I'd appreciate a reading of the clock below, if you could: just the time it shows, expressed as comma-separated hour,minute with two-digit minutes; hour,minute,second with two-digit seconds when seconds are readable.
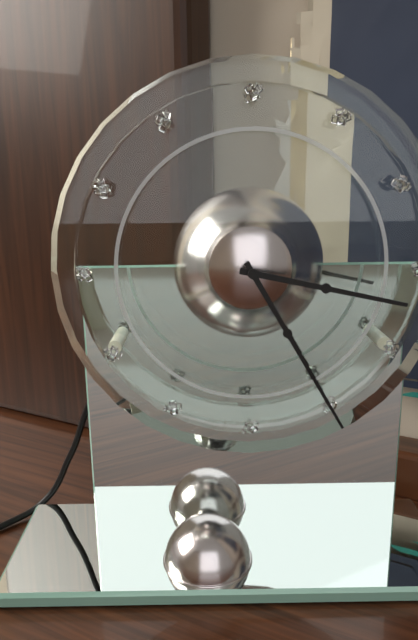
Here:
3,25
